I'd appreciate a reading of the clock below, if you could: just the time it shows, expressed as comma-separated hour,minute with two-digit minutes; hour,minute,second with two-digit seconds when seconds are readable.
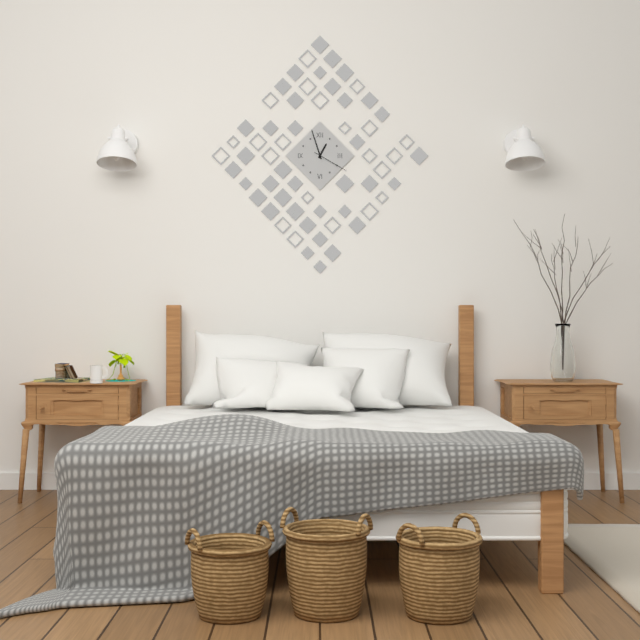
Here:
12,57
